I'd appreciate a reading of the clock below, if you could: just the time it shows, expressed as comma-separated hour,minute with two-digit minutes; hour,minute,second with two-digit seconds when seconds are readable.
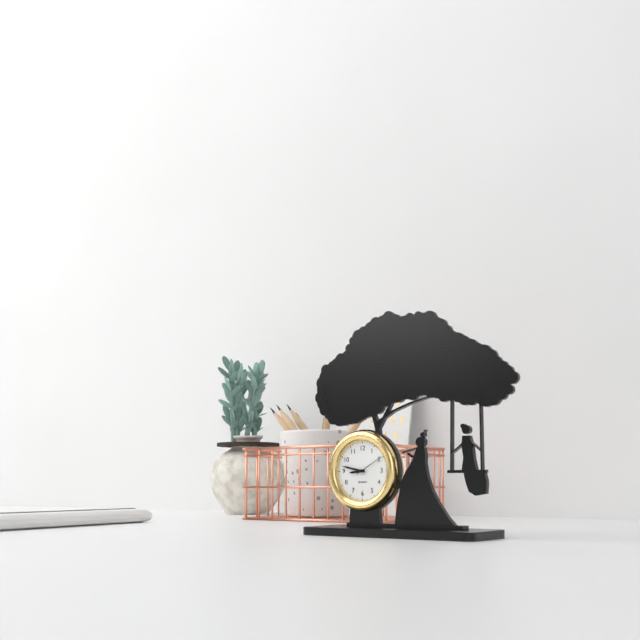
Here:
8,47
